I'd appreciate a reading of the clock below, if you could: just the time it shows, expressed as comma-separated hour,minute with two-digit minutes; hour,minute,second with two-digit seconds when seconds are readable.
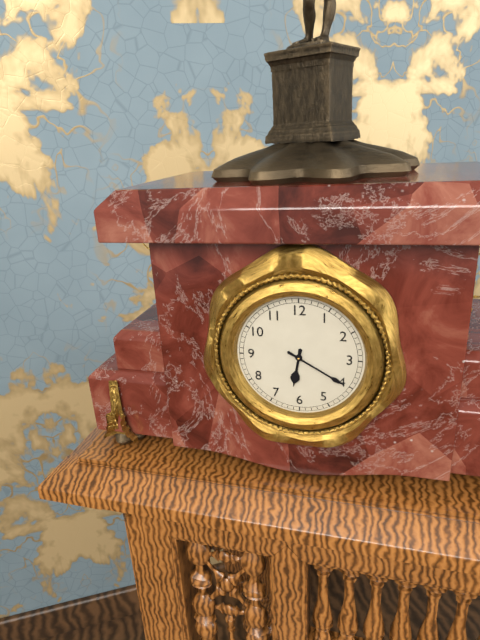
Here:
6,20
